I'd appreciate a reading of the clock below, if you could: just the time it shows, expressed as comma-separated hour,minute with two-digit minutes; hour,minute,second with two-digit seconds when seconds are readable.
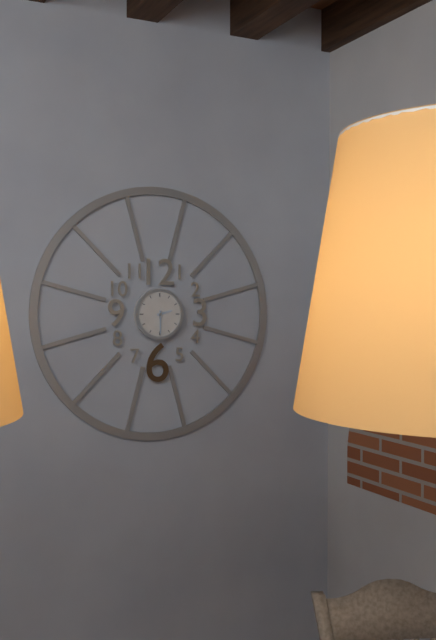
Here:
2,30
